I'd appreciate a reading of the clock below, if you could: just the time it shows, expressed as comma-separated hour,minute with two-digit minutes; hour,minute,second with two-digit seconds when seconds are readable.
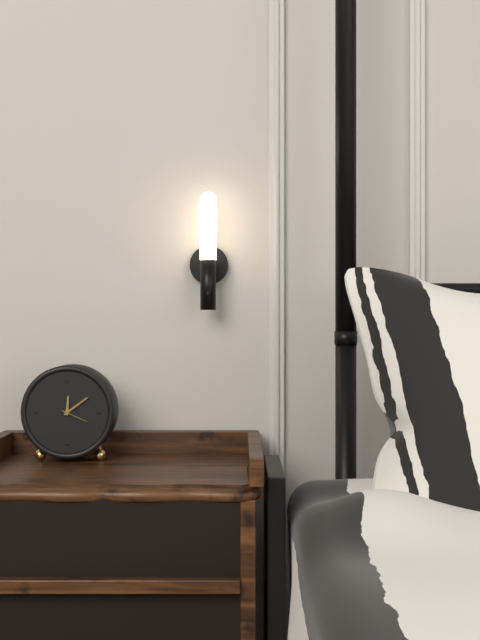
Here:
12,09
